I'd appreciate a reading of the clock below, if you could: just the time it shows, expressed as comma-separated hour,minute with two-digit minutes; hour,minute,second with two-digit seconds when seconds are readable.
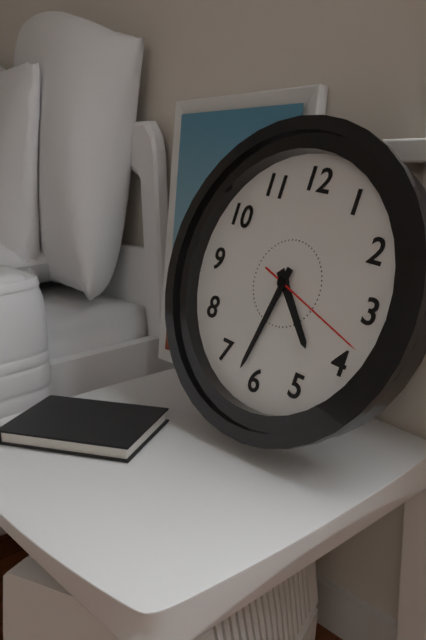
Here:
4,32,18
